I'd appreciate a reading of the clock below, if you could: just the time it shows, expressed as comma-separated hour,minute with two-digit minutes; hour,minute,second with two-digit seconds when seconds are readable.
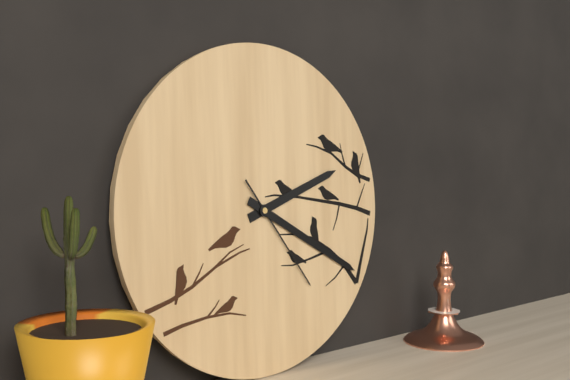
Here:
2,20,24
